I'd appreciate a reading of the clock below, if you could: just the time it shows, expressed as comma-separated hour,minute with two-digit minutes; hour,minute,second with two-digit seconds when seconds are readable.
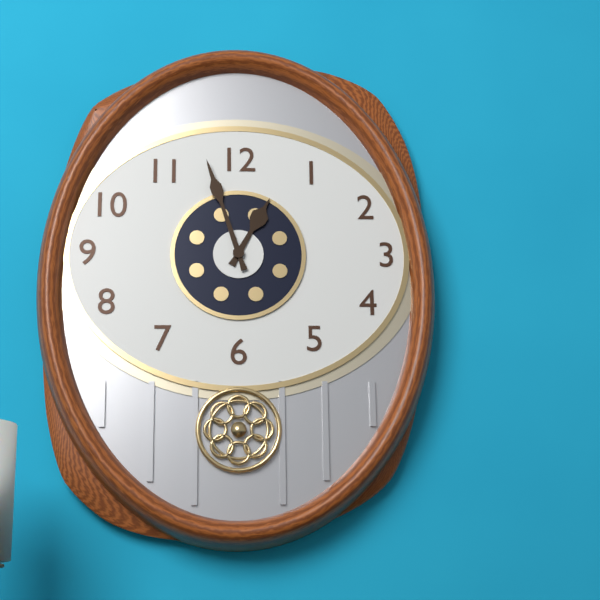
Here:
12,57
